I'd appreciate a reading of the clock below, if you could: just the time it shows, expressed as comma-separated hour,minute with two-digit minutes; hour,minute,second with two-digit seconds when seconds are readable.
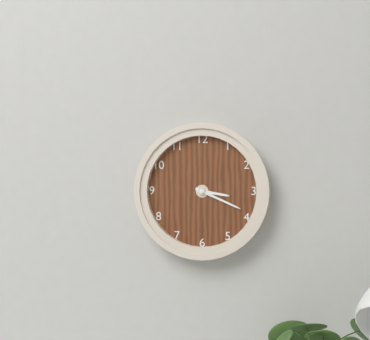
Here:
3,19
